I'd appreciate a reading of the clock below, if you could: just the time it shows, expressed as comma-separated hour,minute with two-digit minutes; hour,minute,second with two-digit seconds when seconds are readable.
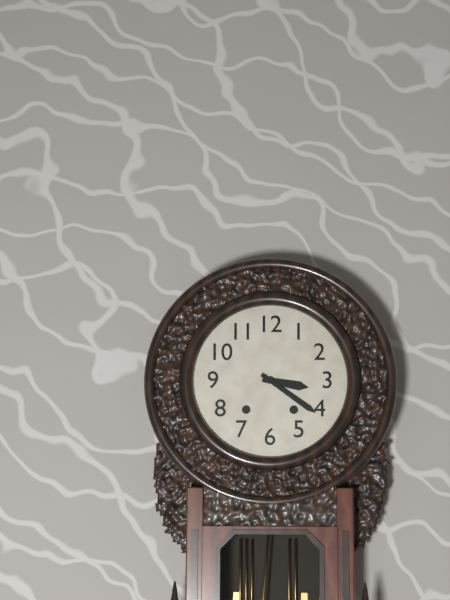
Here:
3,21
